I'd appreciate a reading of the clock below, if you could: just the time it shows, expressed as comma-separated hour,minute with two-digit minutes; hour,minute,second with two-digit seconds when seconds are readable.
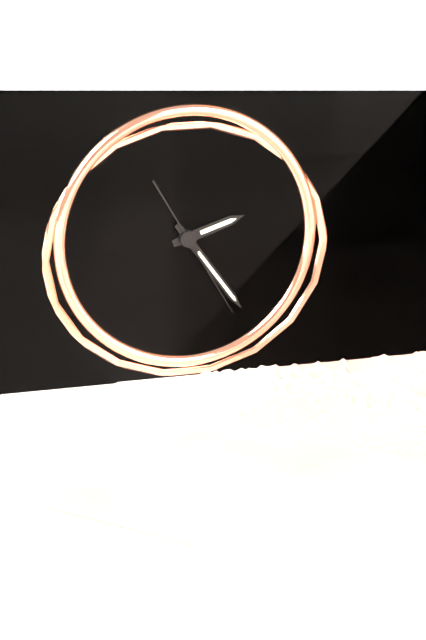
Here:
2,24,25
